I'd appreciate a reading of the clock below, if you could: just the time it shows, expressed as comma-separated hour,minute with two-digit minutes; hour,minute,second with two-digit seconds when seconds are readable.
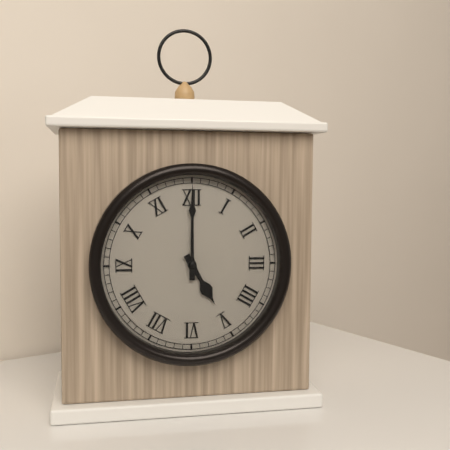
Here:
5,00
